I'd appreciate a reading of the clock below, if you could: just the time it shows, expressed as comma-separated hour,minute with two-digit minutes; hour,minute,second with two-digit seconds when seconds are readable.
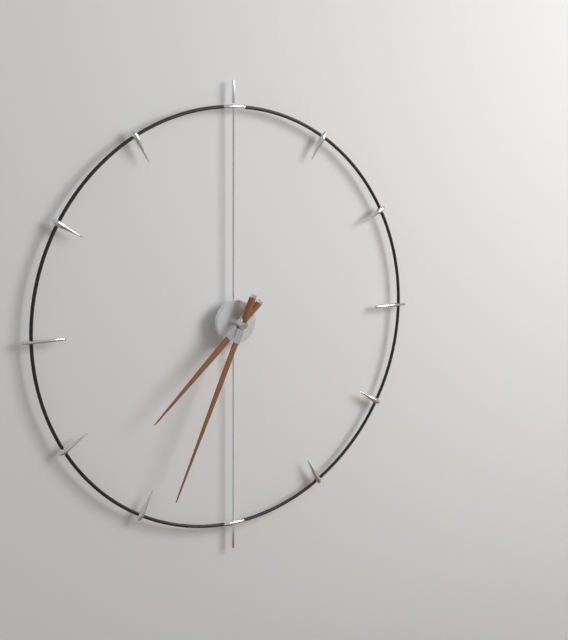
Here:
7,34
